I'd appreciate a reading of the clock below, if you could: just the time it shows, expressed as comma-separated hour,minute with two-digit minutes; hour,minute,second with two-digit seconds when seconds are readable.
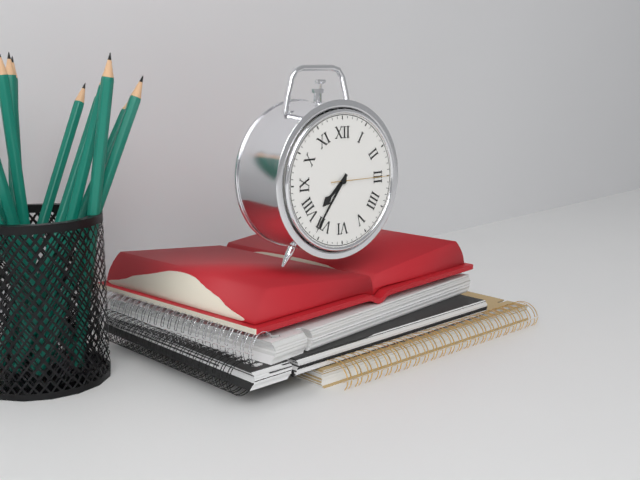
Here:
7,36,15
